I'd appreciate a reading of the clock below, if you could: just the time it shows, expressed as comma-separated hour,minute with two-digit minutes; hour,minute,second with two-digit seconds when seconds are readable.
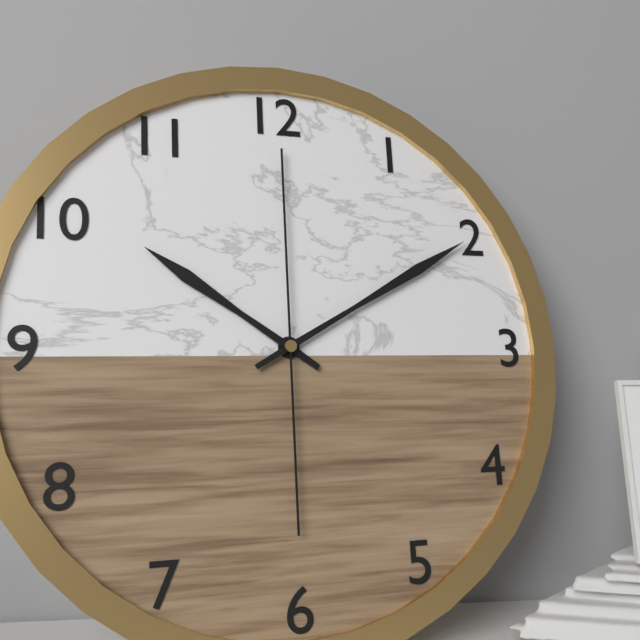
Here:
10,10,00
